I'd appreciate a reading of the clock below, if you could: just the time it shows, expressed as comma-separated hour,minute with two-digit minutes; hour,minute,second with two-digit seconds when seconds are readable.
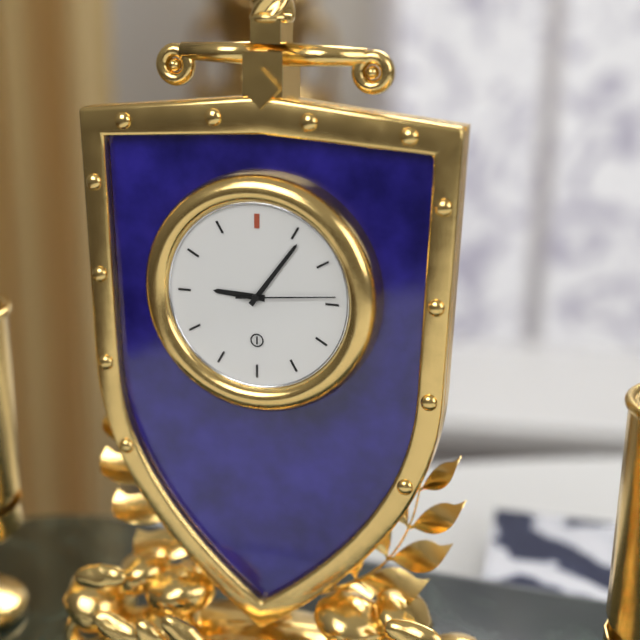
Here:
9,06,14
